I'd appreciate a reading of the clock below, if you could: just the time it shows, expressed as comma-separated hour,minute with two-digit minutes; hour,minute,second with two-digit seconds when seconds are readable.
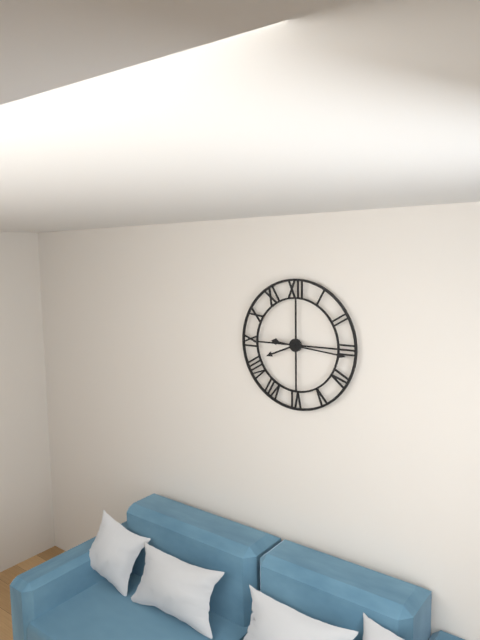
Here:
8,16
